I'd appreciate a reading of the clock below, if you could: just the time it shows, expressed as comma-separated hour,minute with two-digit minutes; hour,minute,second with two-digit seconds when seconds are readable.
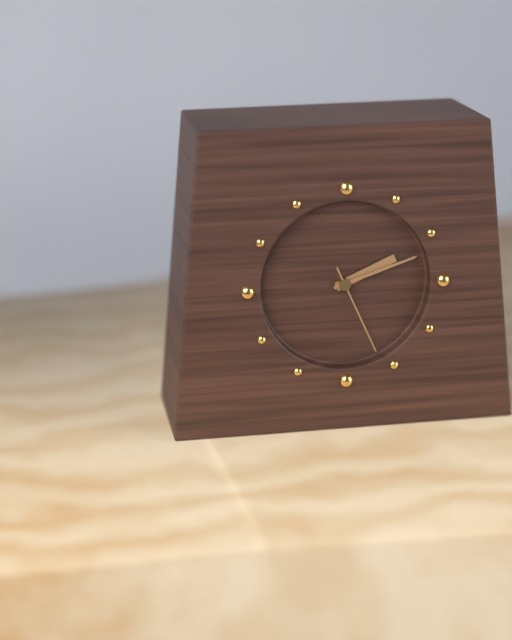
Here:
2,12,26
